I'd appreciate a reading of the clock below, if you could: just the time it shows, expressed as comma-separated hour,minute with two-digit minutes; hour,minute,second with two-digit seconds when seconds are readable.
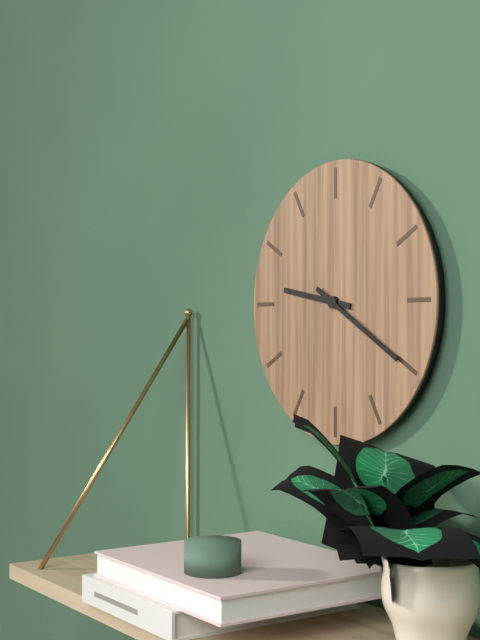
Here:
9,20
